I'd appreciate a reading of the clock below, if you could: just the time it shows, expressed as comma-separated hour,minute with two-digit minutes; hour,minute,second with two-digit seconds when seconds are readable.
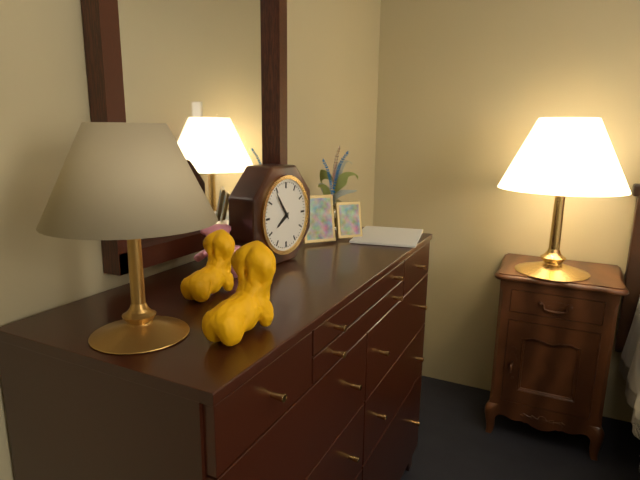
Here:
7,54
